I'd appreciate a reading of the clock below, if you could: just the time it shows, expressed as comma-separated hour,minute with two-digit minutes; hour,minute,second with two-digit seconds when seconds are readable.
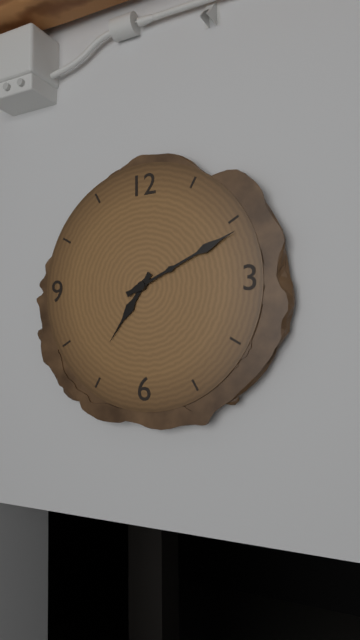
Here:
7,11
